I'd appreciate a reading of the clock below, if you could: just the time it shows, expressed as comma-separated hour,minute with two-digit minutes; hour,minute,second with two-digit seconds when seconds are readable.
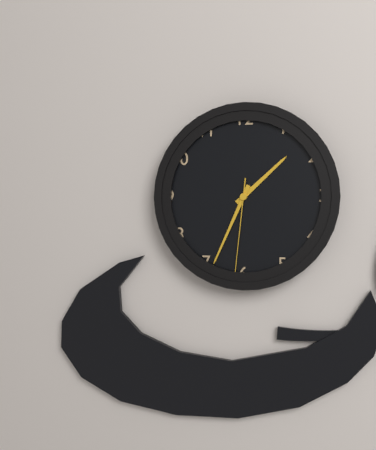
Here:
1,34,31
